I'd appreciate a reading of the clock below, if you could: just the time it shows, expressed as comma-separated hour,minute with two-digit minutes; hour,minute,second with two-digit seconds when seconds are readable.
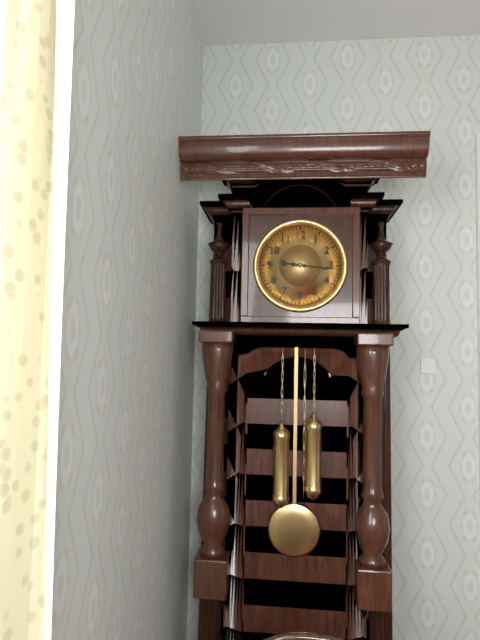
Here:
9,16
